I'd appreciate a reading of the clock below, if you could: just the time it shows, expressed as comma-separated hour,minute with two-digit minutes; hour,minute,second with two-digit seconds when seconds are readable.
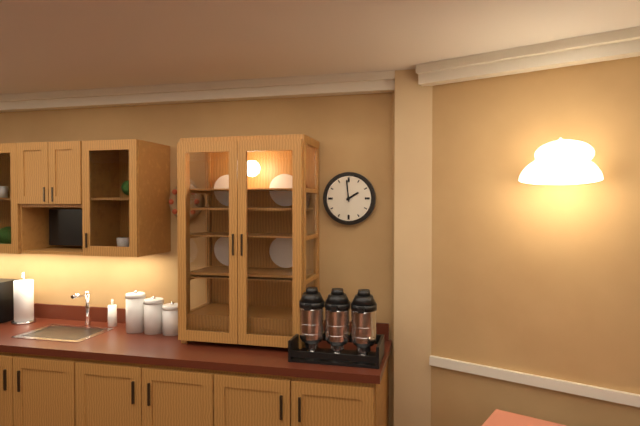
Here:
1,59
